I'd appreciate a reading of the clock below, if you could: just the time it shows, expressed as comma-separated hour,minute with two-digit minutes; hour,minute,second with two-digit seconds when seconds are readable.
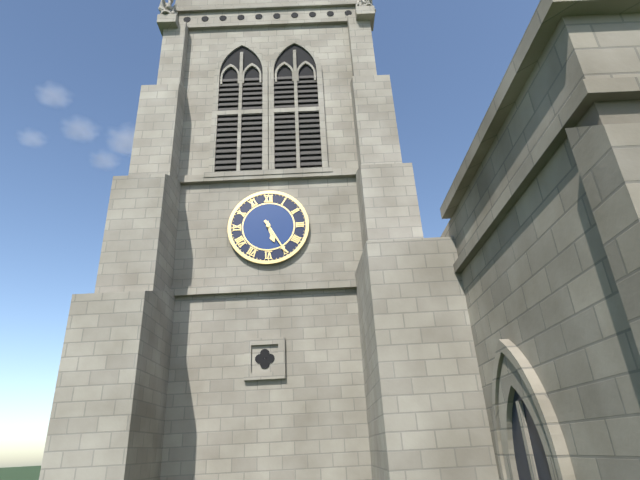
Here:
5,25
